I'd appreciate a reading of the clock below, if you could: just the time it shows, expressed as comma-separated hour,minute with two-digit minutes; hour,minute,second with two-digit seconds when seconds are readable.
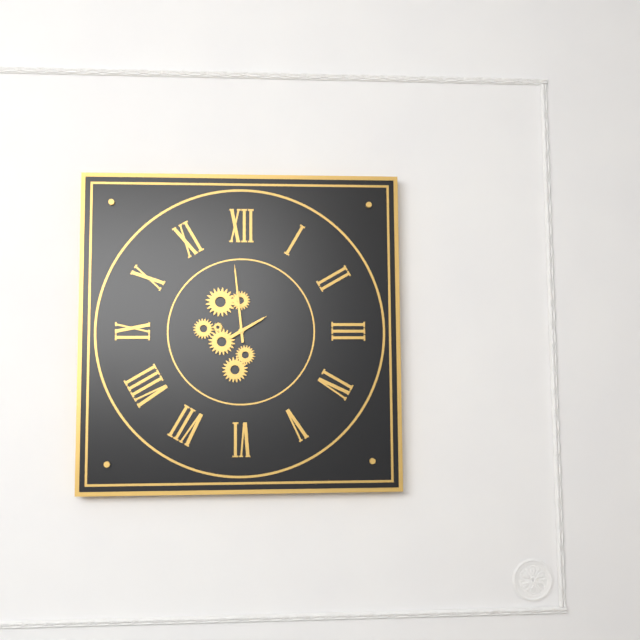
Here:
1,59
